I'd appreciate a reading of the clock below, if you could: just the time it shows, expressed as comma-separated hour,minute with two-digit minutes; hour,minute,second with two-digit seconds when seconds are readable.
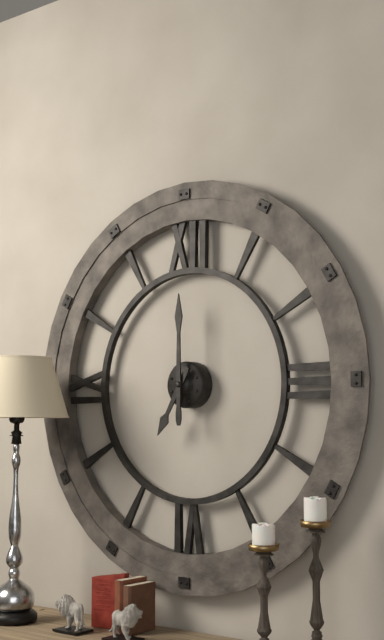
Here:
7,00
